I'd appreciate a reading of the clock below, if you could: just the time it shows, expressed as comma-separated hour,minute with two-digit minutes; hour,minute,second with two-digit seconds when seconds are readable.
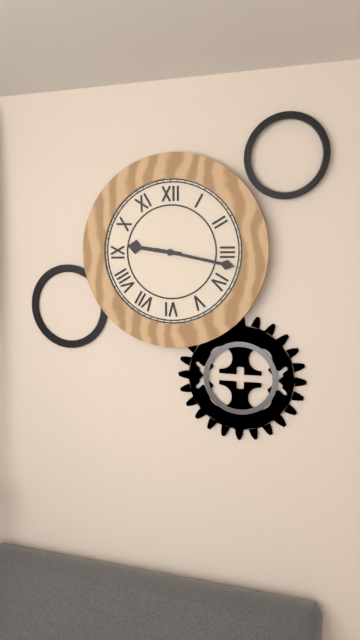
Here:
9,17
